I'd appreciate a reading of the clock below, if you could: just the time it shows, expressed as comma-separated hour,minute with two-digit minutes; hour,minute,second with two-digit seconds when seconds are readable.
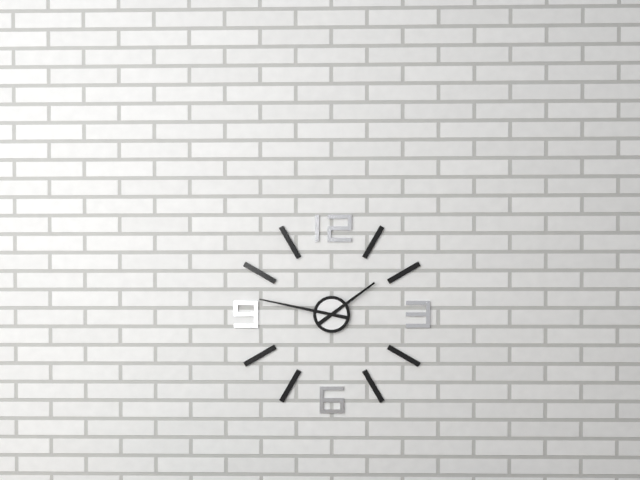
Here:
1,47
